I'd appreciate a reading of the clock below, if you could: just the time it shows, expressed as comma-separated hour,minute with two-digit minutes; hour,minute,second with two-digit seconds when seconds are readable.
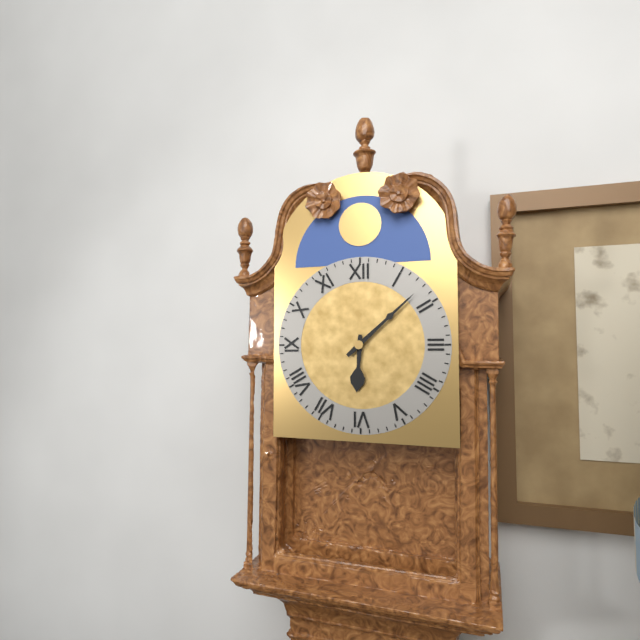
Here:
6,08
